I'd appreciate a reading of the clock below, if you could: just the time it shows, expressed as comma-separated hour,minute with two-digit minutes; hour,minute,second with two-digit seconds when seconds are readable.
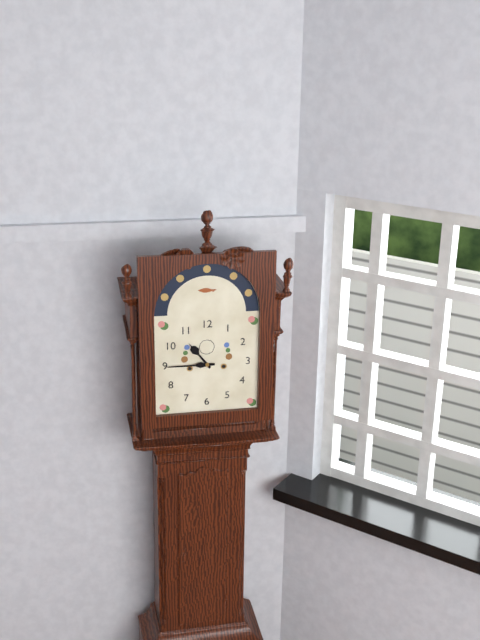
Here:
10,45
